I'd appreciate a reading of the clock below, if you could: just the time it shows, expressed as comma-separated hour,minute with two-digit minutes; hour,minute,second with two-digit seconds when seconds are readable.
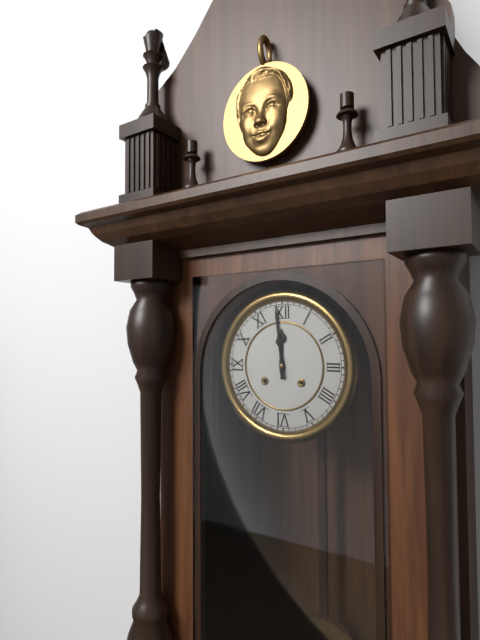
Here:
11,59
